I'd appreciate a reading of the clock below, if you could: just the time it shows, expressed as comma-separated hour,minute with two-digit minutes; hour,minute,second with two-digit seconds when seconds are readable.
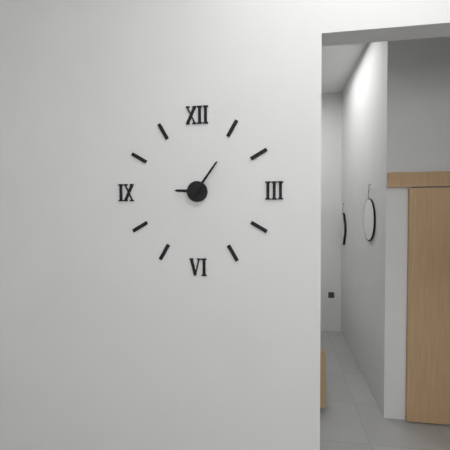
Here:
9,06
